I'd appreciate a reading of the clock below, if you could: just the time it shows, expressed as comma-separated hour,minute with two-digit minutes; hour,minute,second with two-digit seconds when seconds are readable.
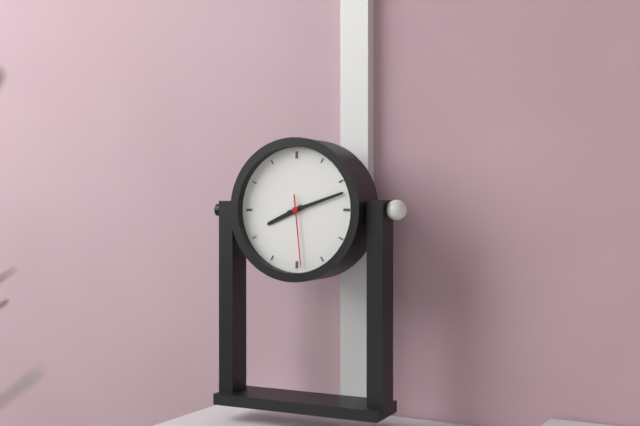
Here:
8,12,29
